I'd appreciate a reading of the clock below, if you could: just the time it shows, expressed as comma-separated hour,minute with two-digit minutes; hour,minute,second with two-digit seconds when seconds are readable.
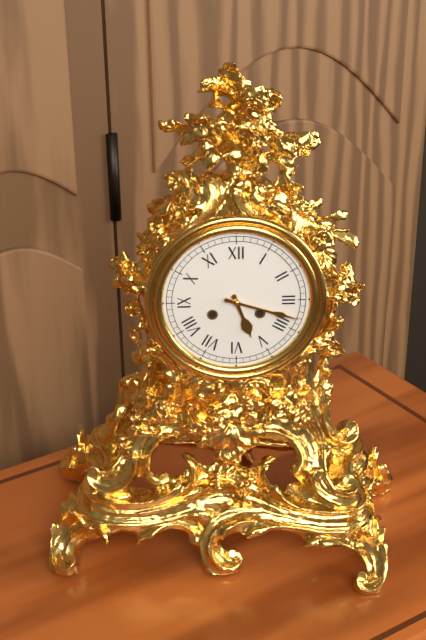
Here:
5,18
